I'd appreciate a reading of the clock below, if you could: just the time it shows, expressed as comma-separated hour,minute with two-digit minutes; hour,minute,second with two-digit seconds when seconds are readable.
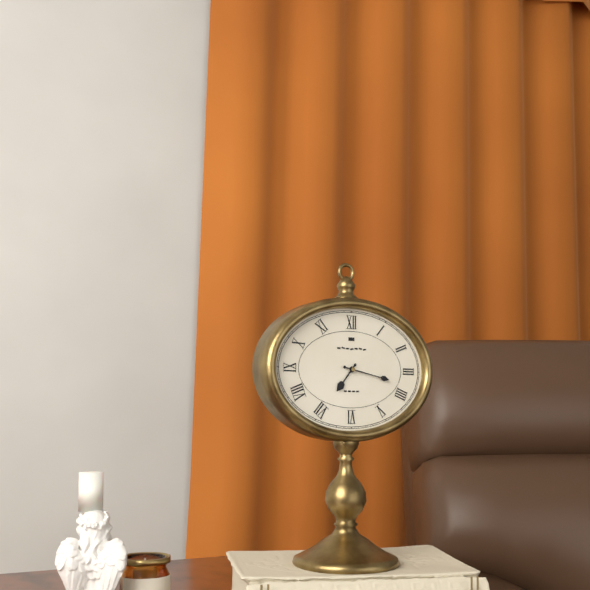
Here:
7,17
